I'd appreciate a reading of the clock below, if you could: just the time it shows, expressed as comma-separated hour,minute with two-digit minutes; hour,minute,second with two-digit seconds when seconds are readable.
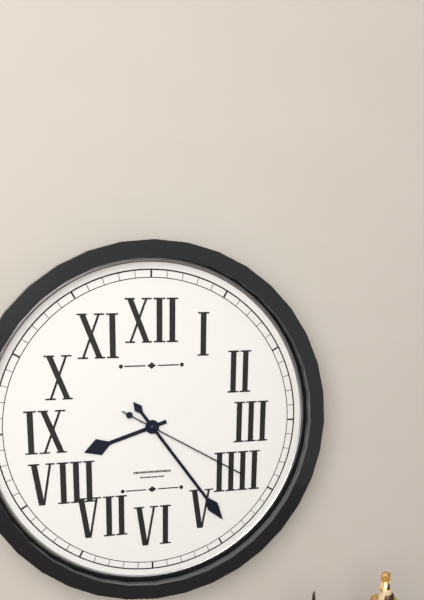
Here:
8,24,20
